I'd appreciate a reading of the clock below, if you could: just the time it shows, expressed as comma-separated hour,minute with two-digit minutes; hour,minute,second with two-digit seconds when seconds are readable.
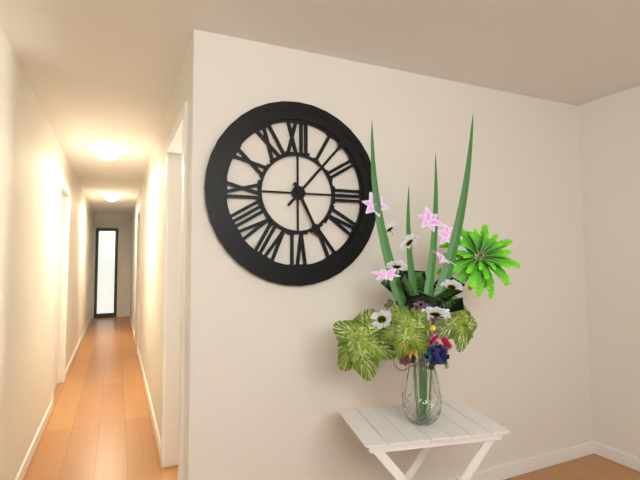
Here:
5,07
